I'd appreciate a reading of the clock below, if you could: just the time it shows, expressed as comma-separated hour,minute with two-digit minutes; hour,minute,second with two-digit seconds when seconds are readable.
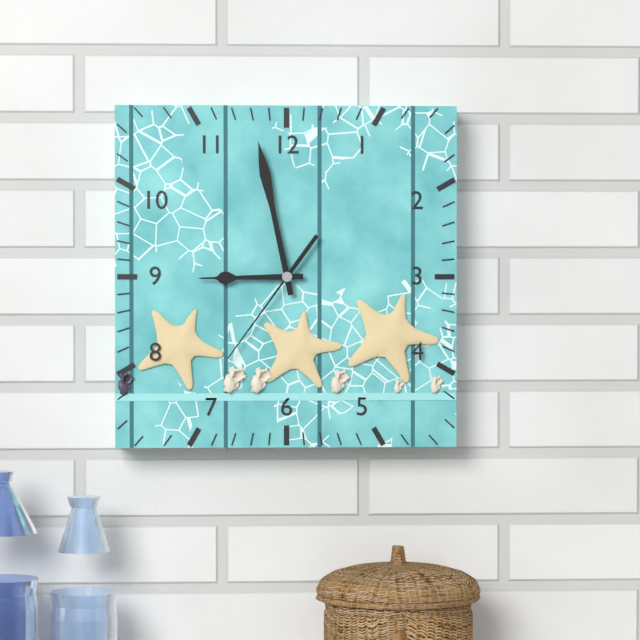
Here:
8,58,36
